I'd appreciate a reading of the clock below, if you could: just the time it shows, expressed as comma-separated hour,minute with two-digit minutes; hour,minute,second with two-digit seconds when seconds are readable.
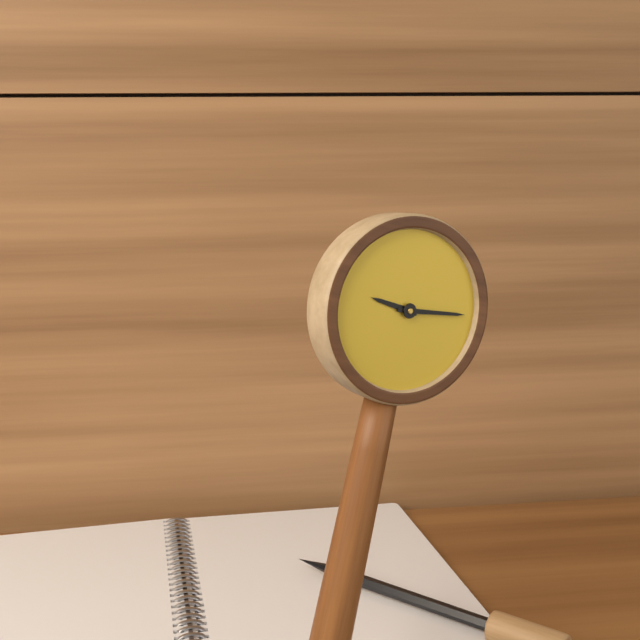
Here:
9,14
